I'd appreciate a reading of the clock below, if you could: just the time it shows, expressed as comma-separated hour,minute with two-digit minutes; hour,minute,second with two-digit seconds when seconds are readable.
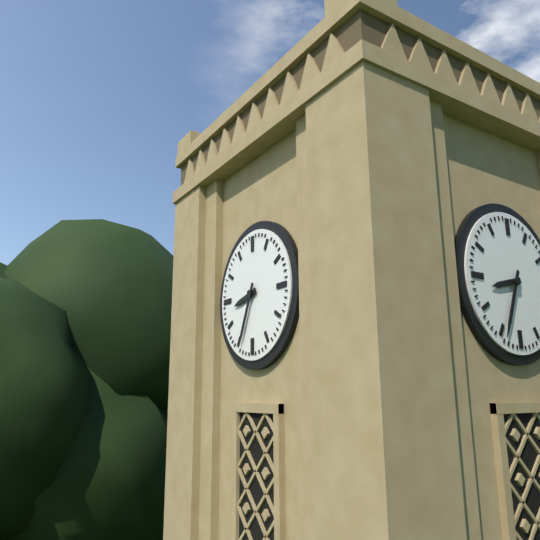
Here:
8,34
